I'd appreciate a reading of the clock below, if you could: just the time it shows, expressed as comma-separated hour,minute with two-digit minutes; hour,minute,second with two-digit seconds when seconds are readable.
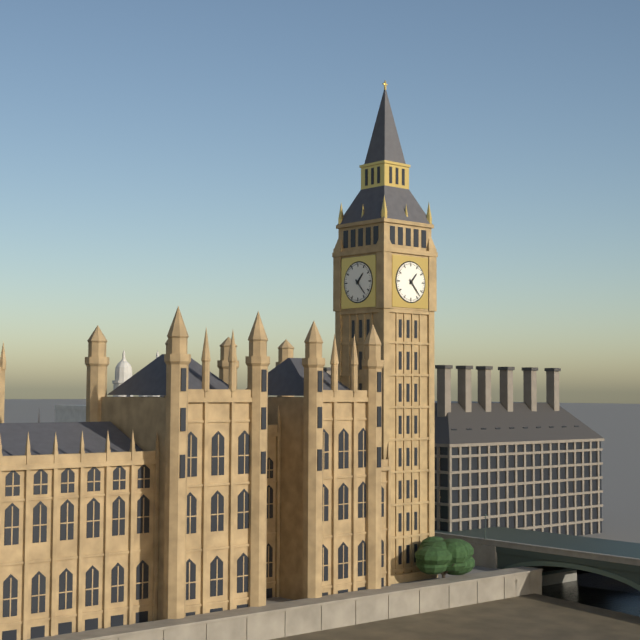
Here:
1,23
